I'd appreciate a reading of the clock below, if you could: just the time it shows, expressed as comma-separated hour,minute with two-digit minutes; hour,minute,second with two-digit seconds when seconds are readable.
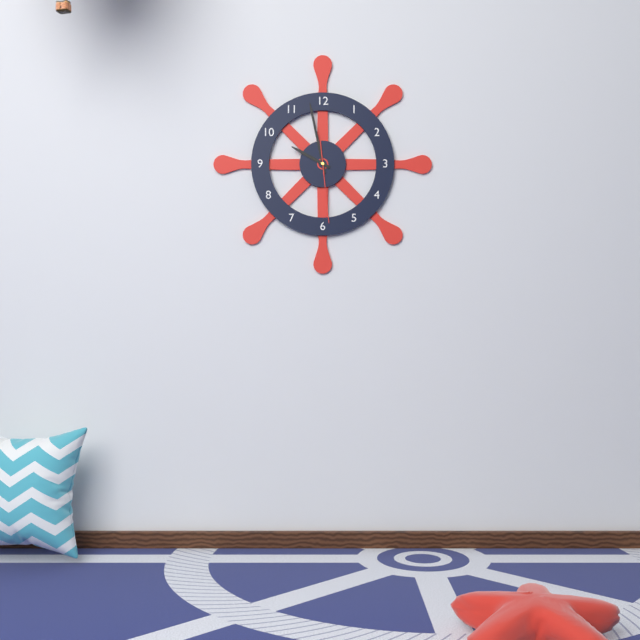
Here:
9,58,29
